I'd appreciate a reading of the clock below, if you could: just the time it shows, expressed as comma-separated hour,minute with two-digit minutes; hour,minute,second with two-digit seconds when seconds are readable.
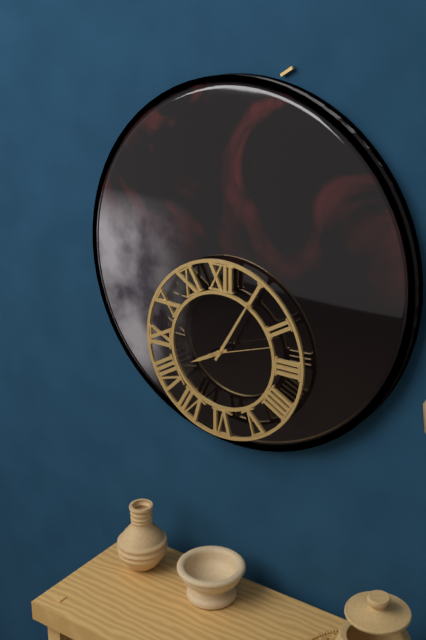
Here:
8,05,12
